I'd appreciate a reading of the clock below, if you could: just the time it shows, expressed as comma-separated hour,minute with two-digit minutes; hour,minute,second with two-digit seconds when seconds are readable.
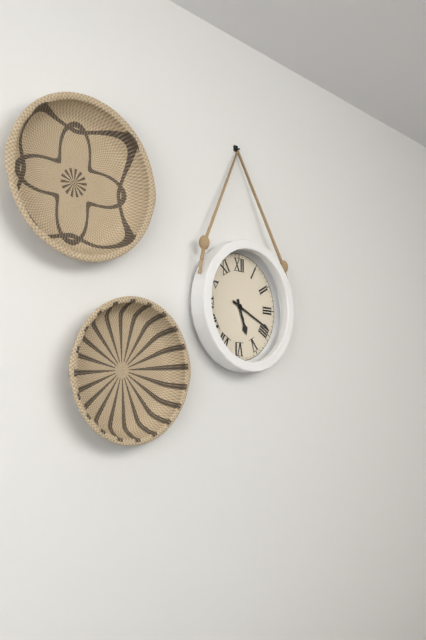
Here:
5,19
